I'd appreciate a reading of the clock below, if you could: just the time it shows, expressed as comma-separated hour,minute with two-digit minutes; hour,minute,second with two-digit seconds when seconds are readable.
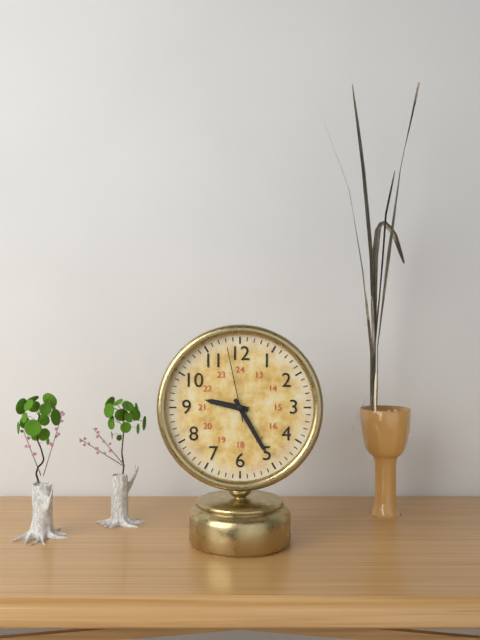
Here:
9,25,58
